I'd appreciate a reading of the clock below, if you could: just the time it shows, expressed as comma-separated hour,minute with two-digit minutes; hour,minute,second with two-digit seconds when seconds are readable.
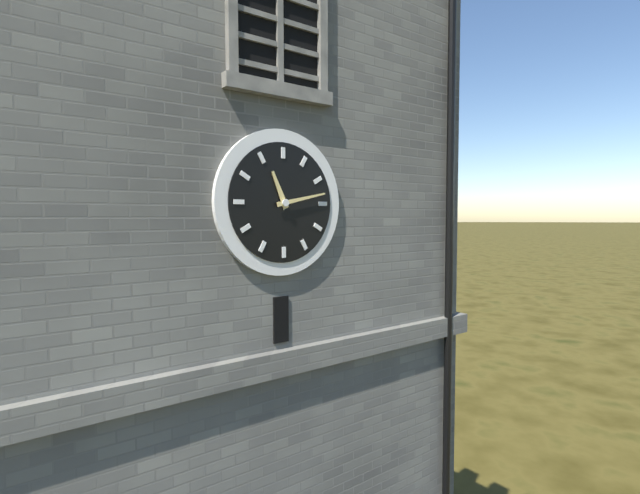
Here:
11,13
